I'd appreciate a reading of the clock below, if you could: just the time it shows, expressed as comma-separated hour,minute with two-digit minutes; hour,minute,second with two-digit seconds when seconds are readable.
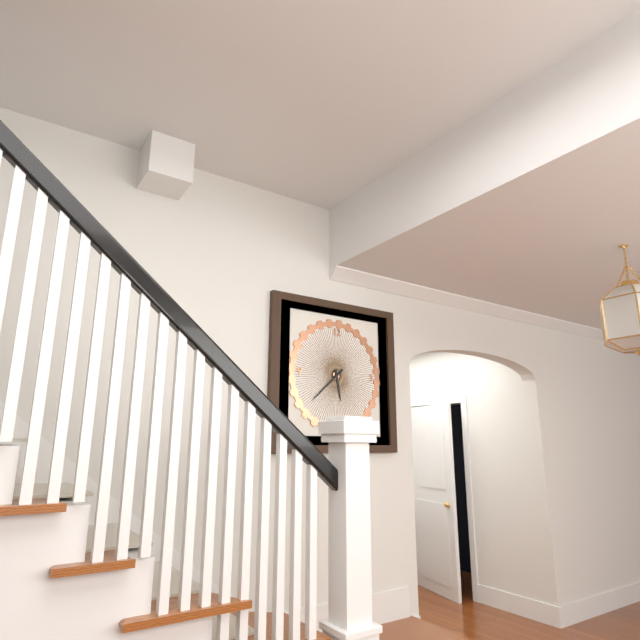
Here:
5,38
